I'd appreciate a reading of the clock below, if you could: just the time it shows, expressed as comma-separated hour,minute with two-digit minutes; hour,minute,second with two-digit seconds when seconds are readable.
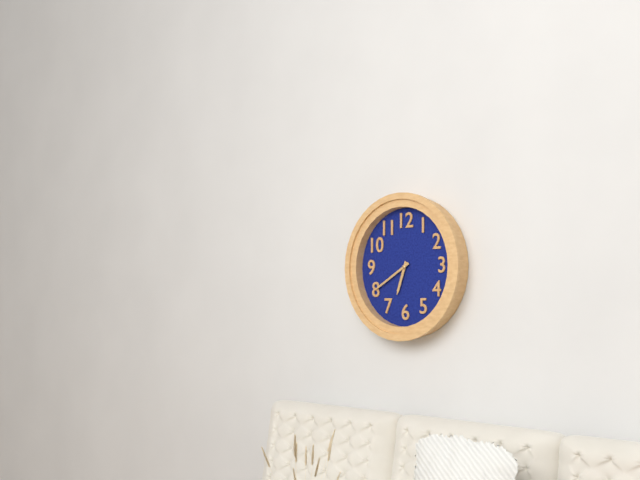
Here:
6,40
